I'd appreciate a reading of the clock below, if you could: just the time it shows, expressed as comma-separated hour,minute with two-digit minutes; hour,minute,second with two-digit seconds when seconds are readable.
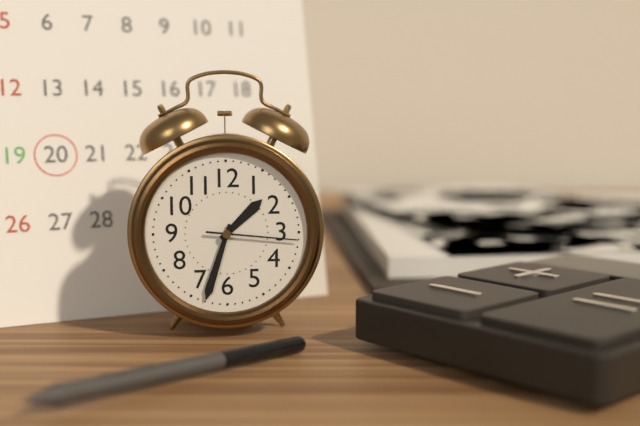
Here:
1,33,16
